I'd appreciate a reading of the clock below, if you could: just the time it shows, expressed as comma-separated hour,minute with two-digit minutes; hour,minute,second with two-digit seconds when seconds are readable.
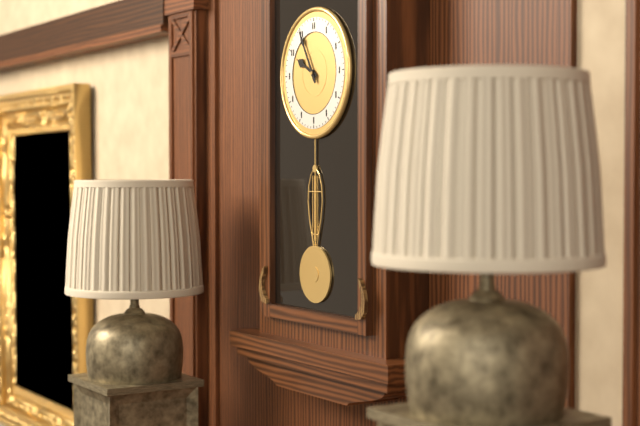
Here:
9,55
